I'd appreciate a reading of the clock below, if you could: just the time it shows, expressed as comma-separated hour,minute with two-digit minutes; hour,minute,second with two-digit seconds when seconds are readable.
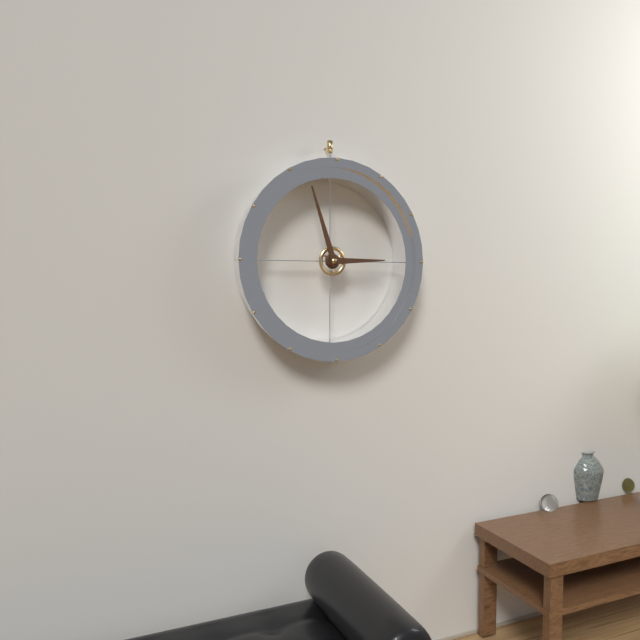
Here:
2,57
